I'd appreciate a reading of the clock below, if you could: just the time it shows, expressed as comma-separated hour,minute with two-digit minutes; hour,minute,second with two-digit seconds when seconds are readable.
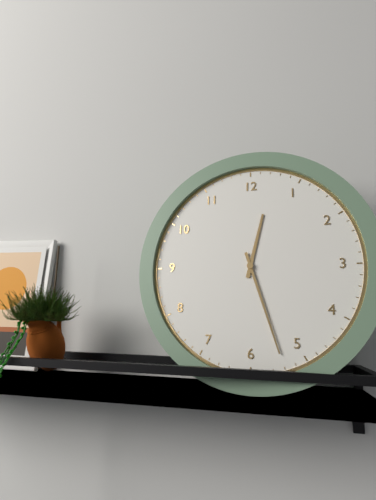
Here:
12,27
